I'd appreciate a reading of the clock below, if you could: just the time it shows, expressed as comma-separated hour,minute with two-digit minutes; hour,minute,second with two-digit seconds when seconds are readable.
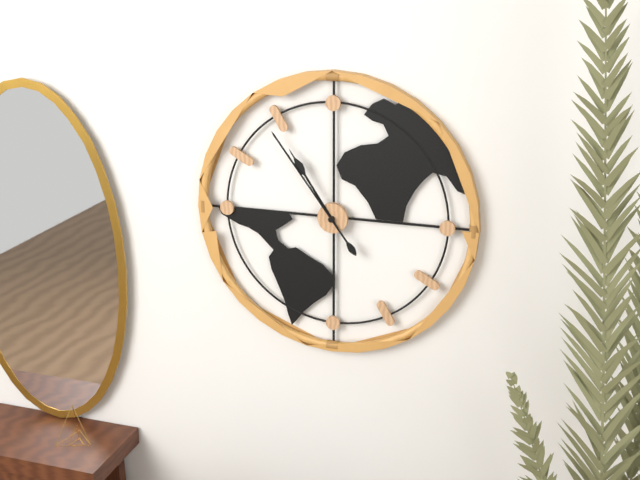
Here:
10,54
